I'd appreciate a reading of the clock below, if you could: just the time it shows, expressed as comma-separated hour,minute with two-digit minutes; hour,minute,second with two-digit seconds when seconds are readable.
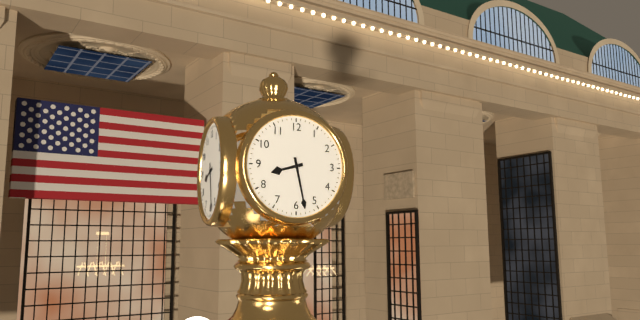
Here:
8,28
